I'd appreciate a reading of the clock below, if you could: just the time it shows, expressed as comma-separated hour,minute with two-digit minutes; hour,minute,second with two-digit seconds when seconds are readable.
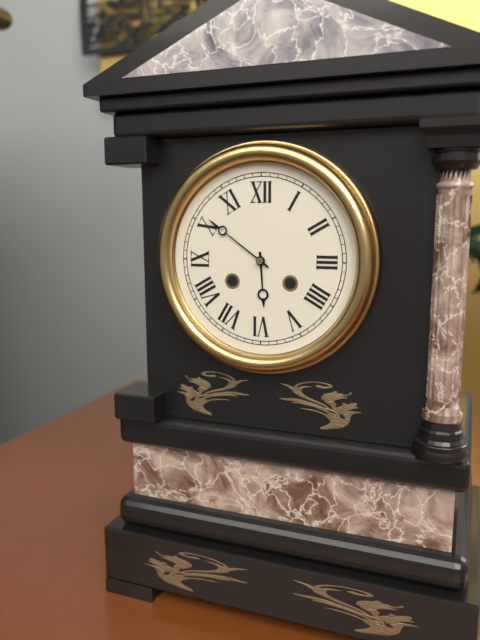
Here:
5,51
